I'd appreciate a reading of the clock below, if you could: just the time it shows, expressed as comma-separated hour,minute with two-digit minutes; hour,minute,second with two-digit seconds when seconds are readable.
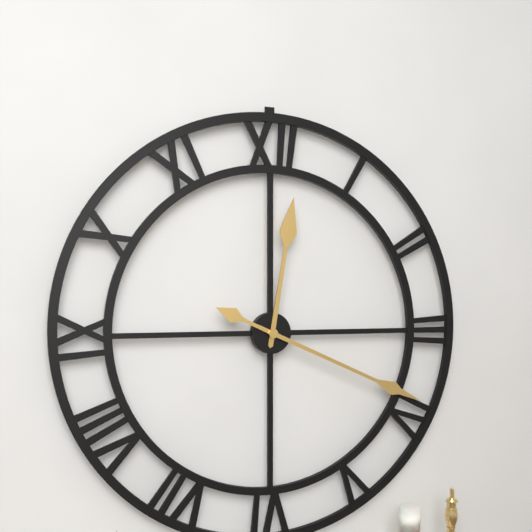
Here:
12,19
